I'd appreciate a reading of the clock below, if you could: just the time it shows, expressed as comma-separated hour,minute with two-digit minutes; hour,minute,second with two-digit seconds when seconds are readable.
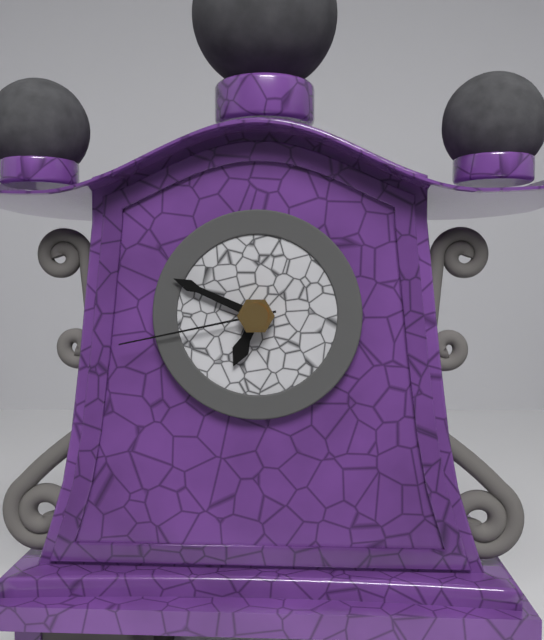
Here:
6,49,43
